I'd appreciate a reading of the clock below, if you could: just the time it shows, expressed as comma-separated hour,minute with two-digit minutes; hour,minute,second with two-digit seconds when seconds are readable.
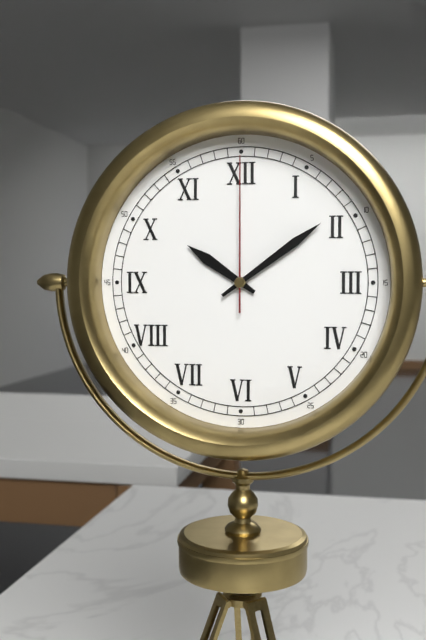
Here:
10,09,00
